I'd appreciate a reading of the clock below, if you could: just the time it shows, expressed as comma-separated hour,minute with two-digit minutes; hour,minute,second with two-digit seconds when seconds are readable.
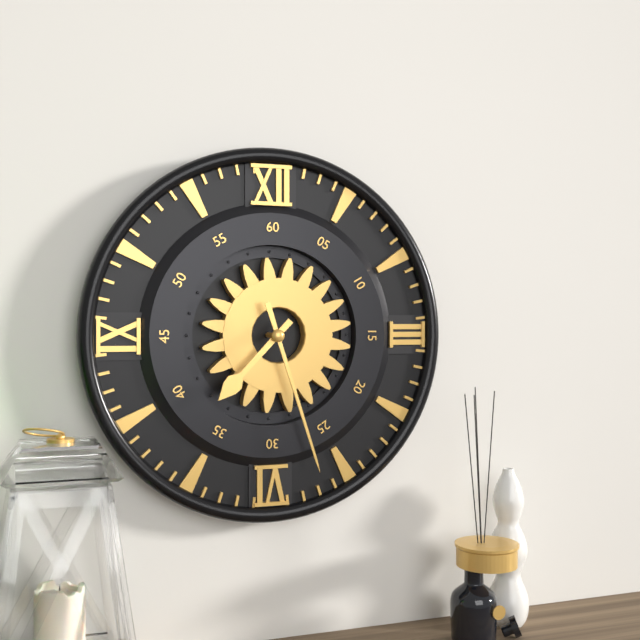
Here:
7,27
